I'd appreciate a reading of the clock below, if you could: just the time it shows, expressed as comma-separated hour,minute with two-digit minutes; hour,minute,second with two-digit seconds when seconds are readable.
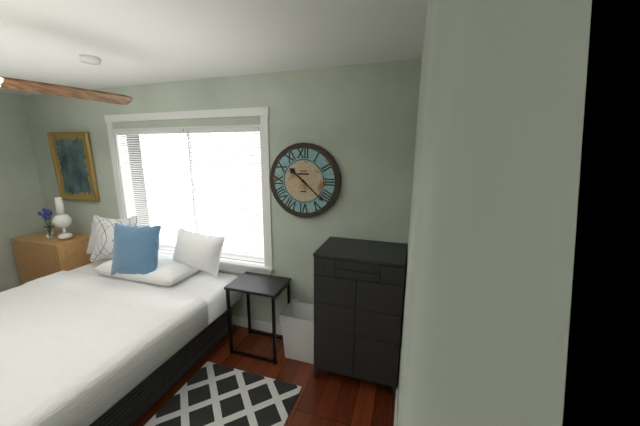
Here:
10,22
